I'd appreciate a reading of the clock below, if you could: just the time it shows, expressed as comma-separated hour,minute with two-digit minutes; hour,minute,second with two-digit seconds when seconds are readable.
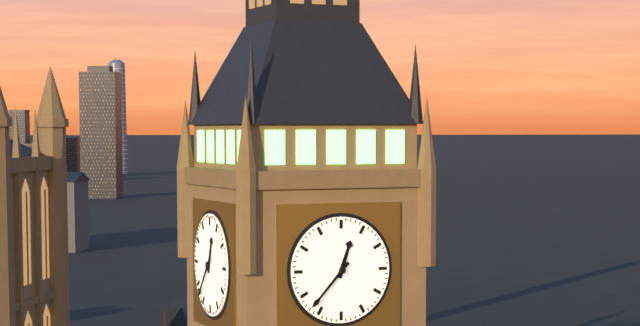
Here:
12,37
